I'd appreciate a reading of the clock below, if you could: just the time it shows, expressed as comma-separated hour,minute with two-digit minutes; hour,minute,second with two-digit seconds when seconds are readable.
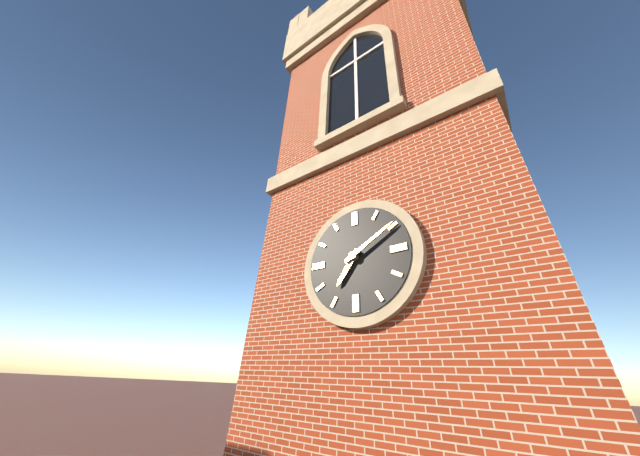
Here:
7,10
